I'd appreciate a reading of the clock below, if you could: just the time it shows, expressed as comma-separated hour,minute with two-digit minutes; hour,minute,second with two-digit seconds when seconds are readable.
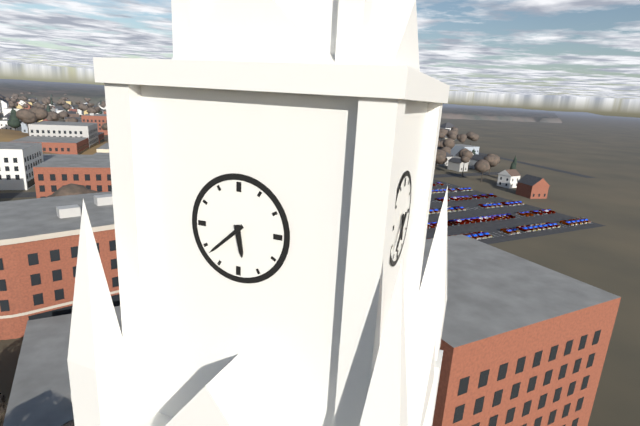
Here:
5,38
